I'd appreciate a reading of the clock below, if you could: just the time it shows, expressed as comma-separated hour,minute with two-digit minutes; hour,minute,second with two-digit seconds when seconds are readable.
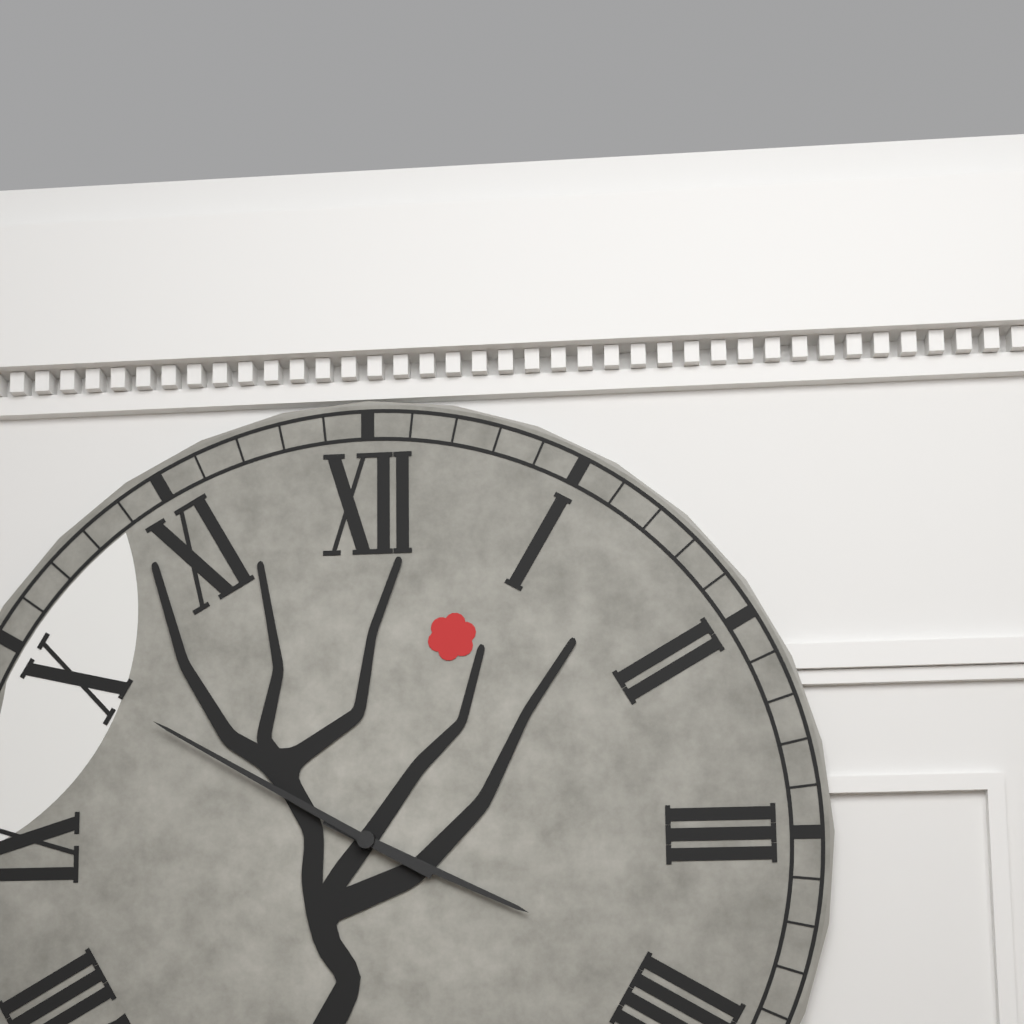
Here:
3,50
